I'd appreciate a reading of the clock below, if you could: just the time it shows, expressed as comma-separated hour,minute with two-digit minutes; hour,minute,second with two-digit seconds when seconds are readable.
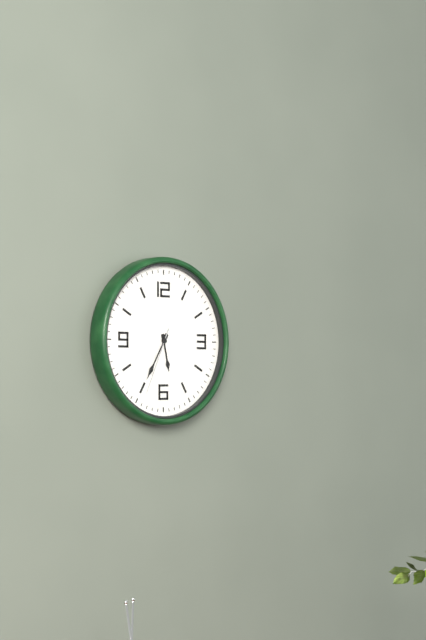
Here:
5,35,34
